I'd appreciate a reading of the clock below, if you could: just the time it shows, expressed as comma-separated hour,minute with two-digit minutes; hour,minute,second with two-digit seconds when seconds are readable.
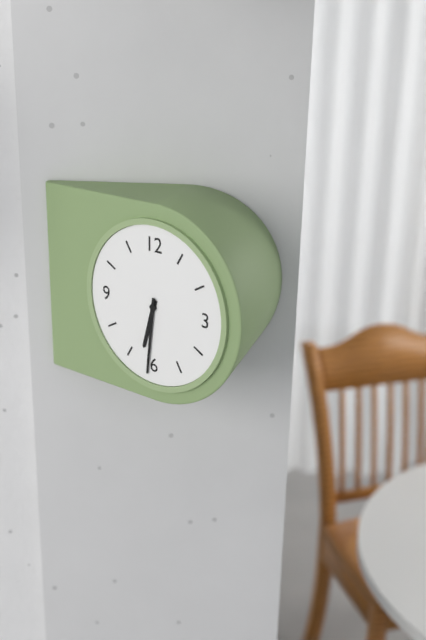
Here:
6,31
